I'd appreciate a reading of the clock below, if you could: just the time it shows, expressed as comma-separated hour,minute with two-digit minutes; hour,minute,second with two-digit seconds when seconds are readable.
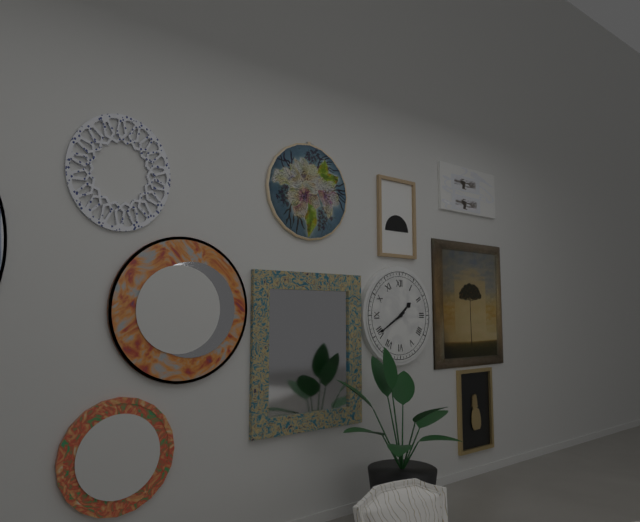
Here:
1,40
